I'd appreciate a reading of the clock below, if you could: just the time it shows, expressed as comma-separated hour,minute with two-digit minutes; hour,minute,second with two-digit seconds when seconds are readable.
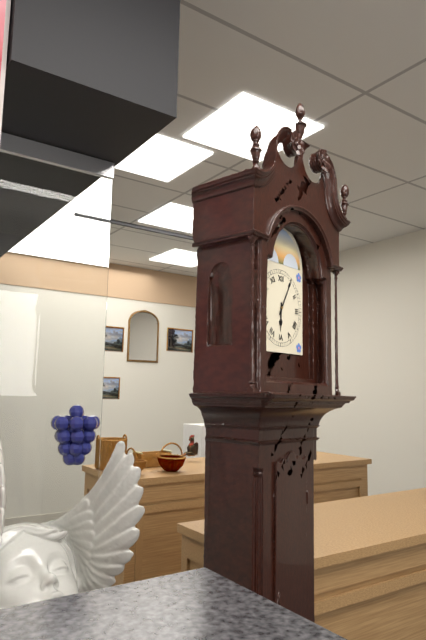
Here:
6,05
